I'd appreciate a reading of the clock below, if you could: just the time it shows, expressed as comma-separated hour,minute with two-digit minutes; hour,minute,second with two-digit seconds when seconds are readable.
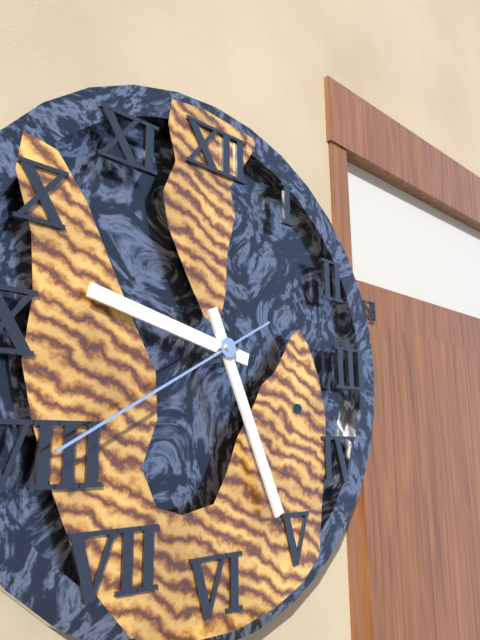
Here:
9,26,40
